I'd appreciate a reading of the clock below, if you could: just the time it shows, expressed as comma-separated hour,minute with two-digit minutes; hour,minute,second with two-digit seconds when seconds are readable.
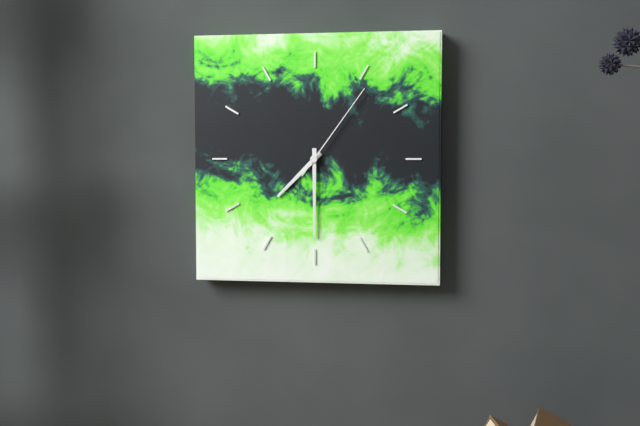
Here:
7,30,06
